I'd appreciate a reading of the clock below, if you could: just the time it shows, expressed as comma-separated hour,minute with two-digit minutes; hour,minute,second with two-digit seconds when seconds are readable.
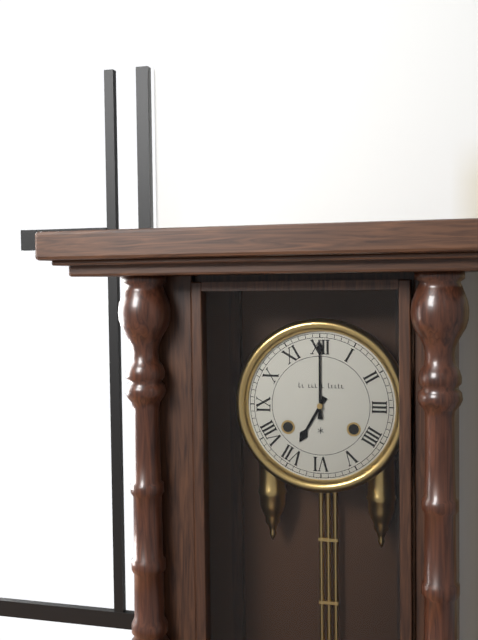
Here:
7,00
